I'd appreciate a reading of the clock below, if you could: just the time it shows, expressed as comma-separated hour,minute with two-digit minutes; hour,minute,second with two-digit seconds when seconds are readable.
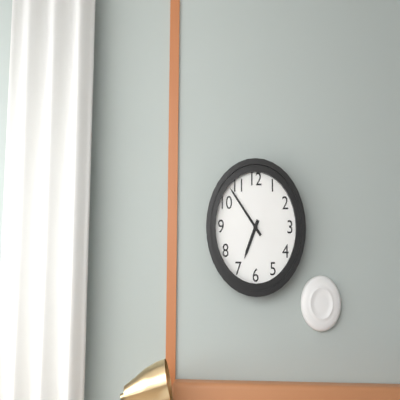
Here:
6,53
